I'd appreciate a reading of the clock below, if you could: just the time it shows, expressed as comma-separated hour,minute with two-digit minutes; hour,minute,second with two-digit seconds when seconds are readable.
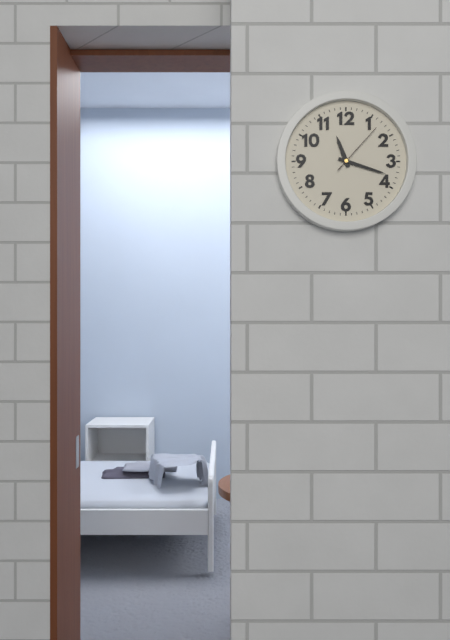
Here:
11,18,07
